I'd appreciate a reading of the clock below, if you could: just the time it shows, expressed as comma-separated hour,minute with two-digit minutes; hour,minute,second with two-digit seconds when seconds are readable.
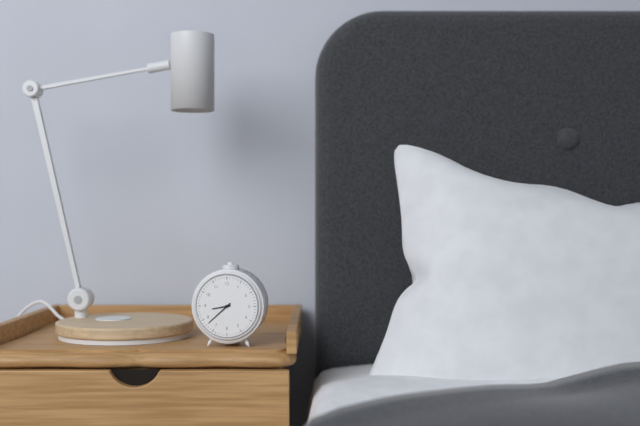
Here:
8,38
